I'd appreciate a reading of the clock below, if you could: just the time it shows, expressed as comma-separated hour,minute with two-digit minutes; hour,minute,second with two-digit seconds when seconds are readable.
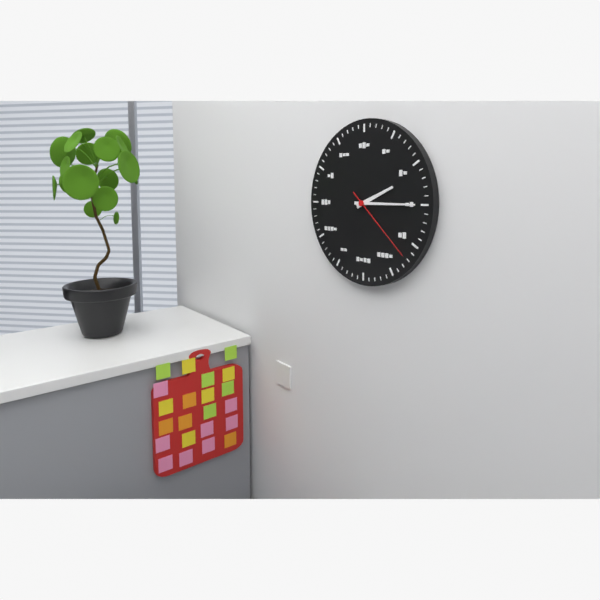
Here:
2,15,22
